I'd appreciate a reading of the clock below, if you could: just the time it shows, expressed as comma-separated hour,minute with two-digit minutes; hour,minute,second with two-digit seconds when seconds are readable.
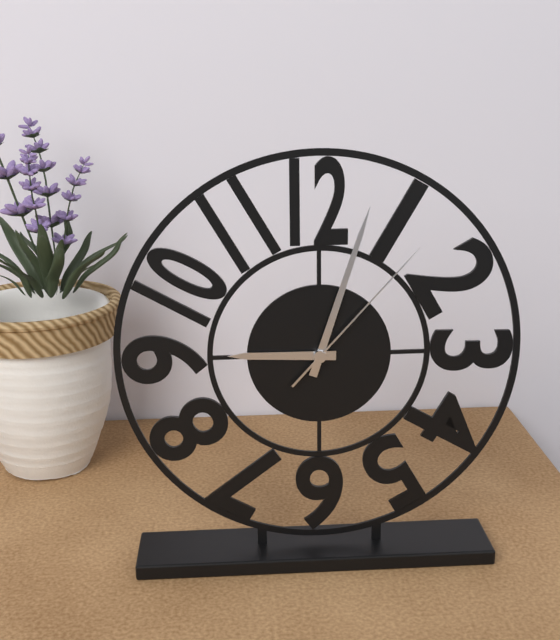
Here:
9,03,07
